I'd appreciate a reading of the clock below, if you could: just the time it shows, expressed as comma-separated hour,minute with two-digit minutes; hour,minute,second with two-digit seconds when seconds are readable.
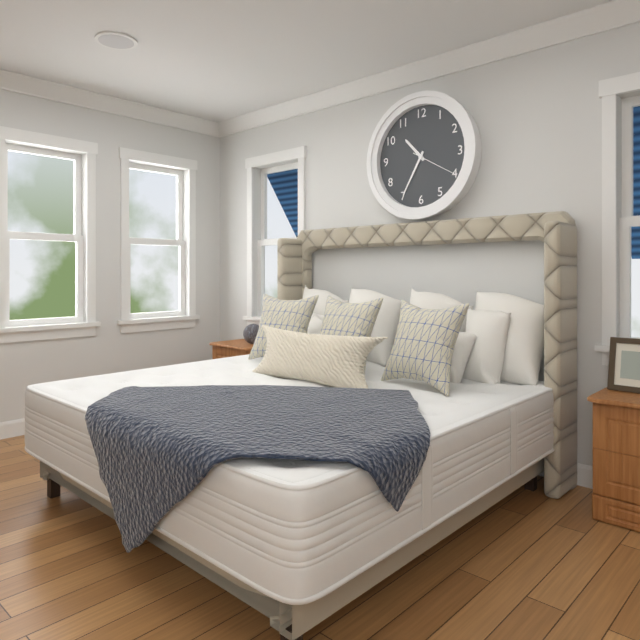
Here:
10,35,20
